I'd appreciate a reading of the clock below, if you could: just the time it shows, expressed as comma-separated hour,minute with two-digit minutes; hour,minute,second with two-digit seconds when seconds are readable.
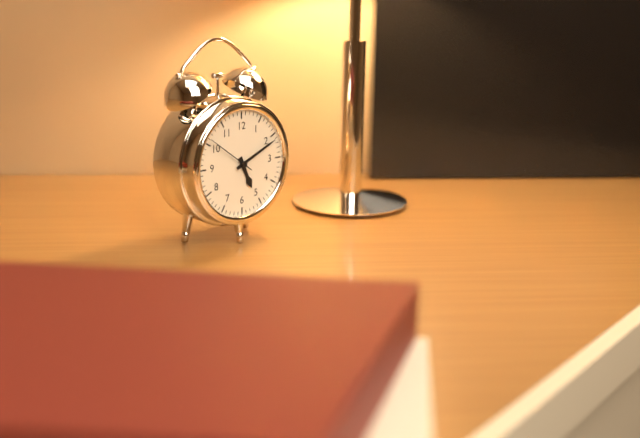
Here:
5,11
